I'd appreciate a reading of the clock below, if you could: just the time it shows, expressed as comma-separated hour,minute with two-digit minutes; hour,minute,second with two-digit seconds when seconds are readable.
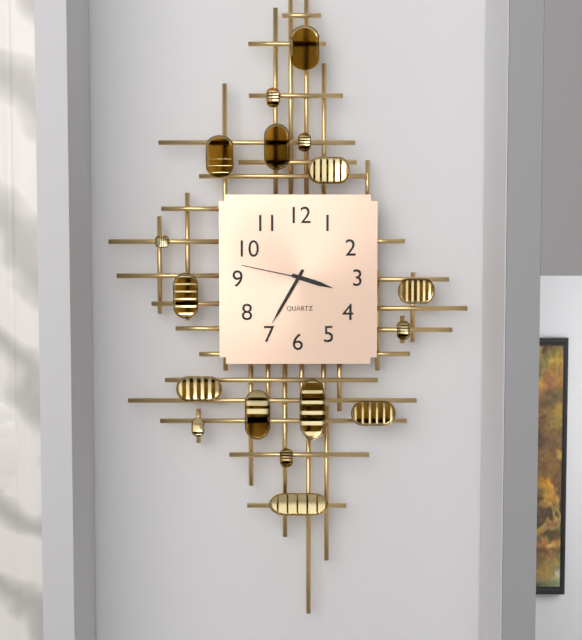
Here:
3,35,47
